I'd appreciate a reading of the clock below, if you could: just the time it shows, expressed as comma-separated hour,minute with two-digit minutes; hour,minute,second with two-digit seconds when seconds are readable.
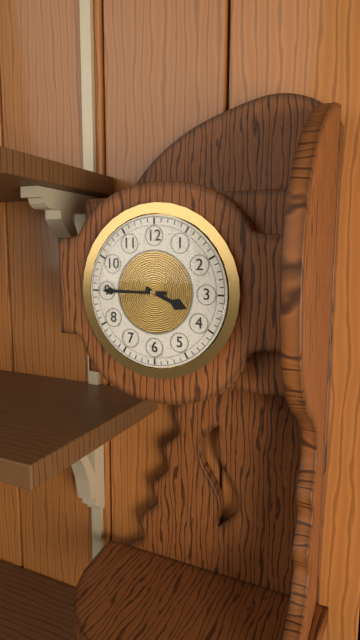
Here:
3,45
